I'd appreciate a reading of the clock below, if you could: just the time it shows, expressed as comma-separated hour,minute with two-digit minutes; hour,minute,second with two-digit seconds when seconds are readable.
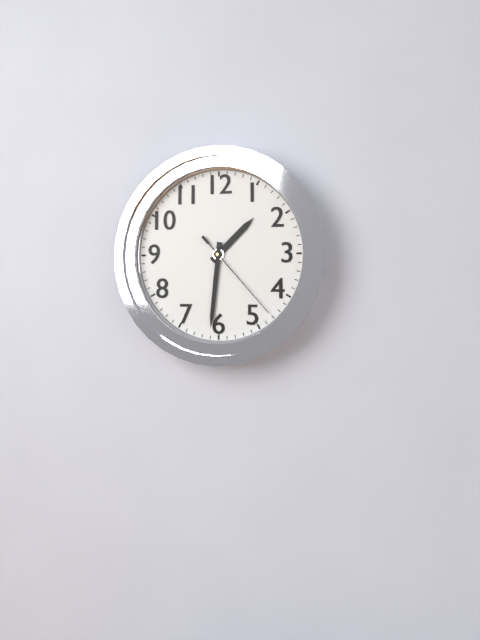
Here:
1,31,23
